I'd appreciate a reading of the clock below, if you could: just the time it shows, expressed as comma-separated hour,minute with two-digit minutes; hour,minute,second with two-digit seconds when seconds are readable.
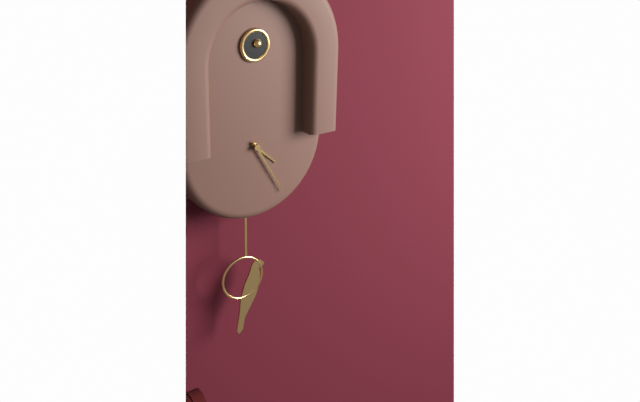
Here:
4,25
